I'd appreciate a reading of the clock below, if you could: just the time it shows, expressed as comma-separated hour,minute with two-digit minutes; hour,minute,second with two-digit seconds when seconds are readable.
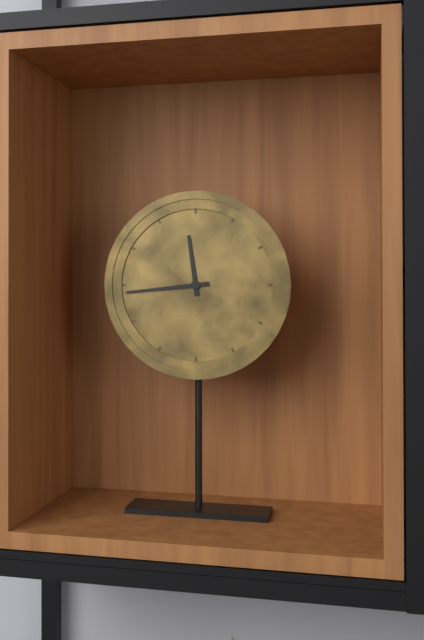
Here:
11,44
